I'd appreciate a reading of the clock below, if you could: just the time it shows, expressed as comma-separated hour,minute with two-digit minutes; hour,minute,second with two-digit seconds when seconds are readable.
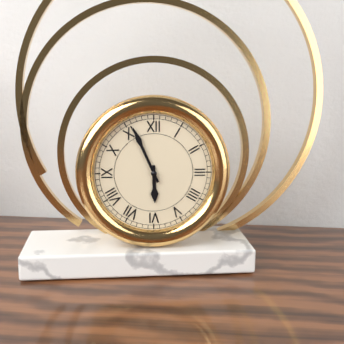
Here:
5,56
